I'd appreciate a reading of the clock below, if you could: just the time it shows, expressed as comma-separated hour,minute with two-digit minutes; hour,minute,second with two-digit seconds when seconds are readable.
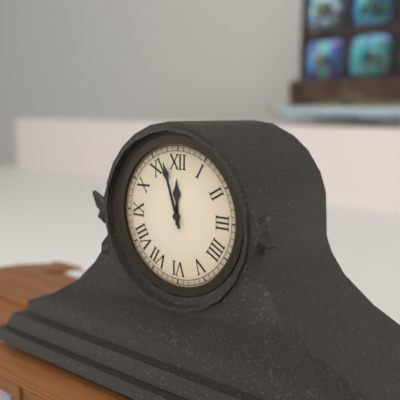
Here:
11,57
